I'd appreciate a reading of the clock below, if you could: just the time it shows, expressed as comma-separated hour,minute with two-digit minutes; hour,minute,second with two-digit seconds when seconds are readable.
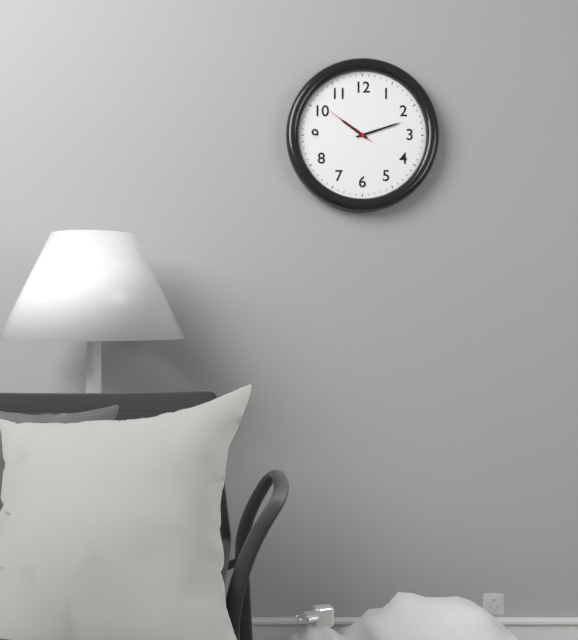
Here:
10,12,51
